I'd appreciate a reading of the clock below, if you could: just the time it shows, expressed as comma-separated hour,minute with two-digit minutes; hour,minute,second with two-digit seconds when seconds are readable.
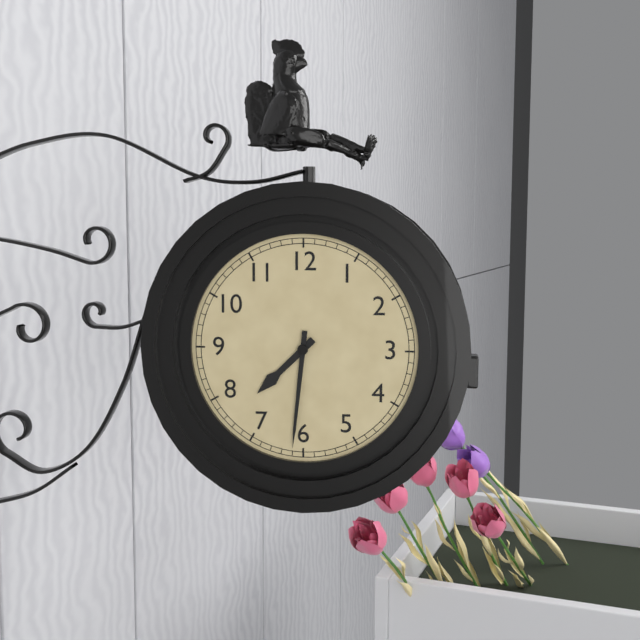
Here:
7,31
